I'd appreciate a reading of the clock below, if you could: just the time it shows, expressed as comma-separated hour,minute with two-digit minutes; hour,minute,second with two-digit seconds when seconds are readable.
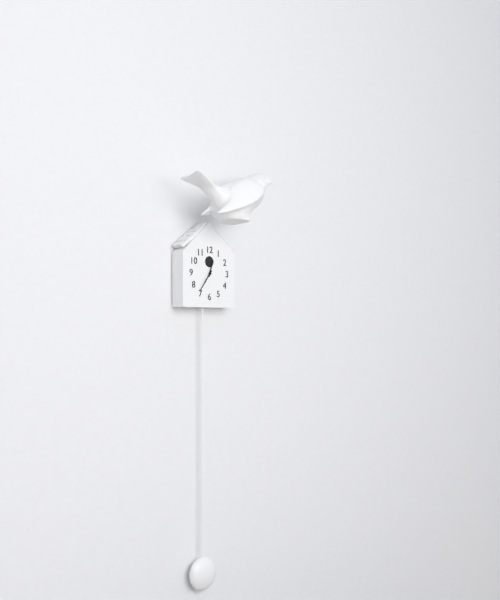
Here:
12,36
